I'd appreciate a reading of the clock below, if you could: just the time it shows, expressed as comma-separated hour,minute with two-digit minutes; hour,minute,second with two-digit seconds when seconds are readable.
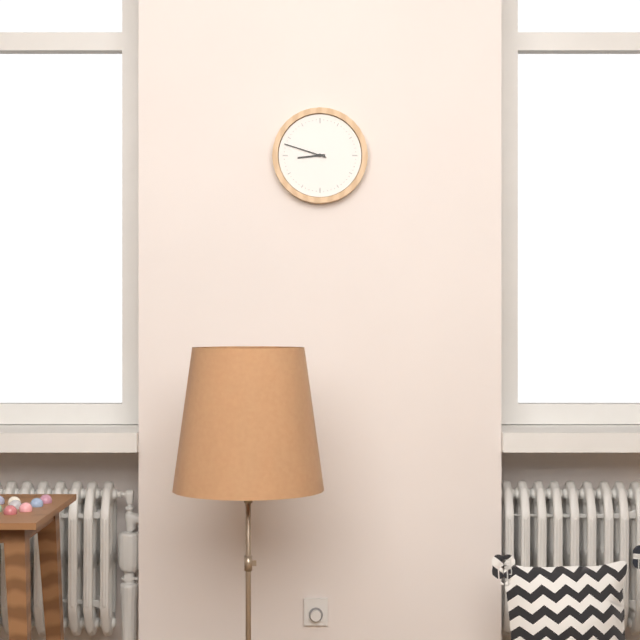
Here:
8,48
